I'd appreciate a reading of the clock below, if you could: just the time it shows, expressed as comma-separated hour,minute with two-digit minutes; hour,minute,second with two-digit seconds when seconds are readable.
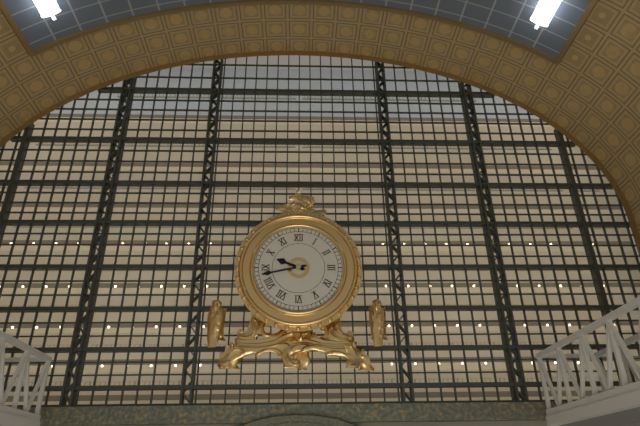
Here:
9,43
